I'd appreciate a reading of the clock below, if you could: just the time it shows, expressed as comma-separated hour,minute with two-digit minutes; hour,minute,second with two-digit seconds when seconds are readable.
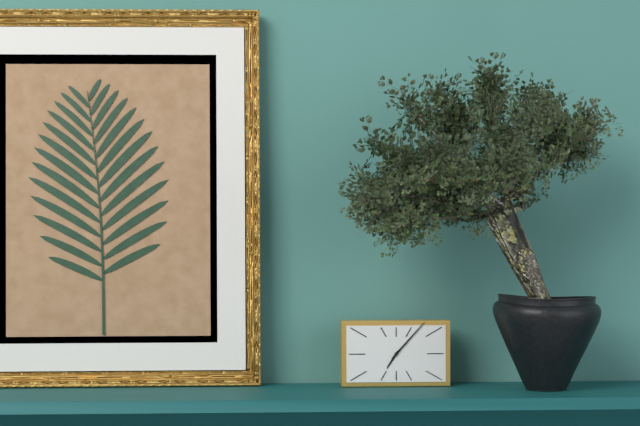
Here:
7,07
